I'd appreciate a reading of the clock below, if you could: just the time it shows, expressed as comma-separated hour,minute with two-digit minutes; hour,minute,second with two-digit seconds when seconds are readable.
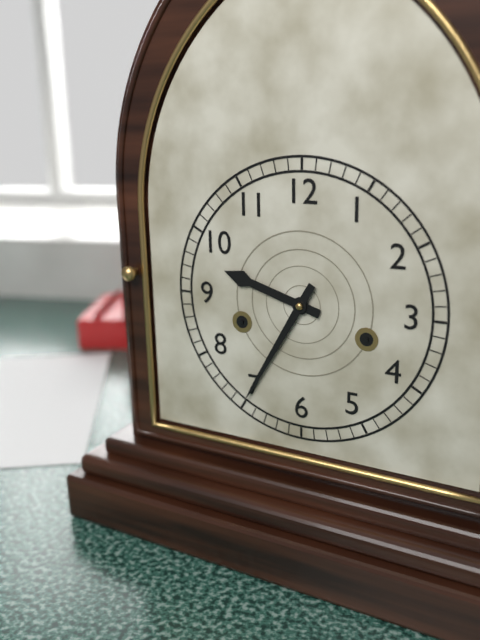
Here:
9,35
